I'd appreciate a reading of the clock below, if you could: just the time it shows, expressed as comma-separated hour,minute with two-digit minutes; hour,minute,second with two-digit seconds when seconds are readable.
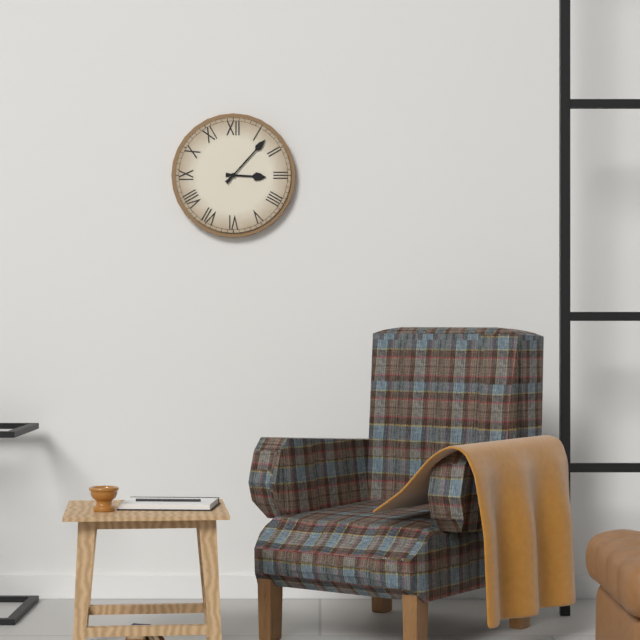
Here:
3,07
